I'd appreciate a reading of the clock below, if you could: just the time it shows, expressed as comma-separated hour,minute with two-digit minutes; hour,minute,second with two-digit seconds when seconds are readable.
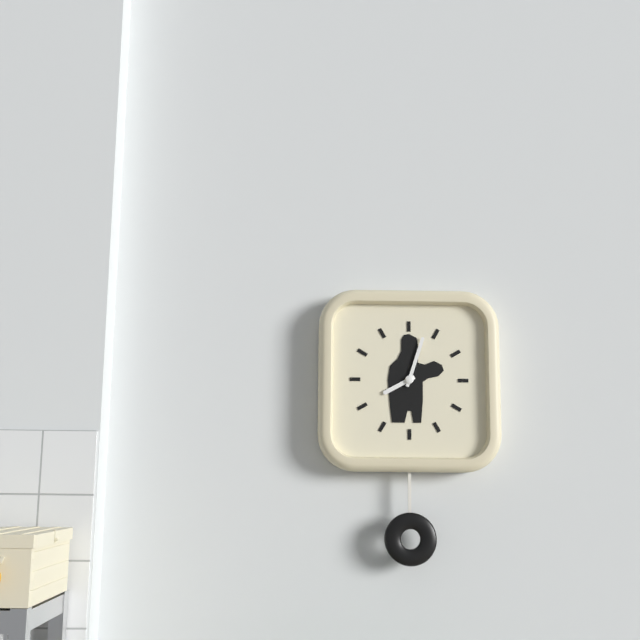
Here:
8,03
